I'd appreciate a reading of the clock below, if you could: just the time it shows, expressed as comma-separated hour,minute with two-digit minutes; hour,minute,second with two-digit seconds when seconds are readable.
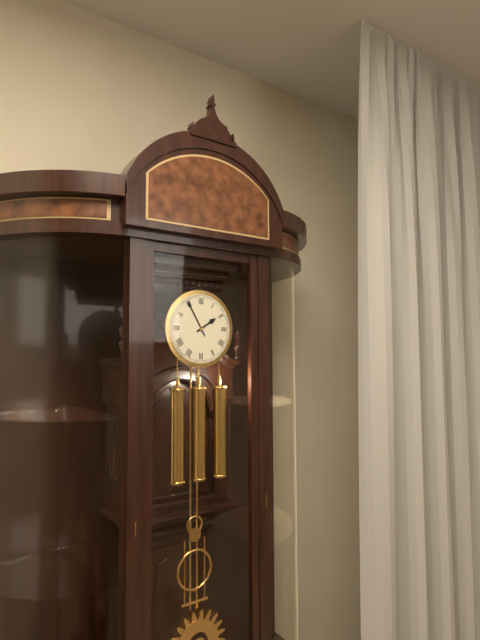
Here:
1,55
